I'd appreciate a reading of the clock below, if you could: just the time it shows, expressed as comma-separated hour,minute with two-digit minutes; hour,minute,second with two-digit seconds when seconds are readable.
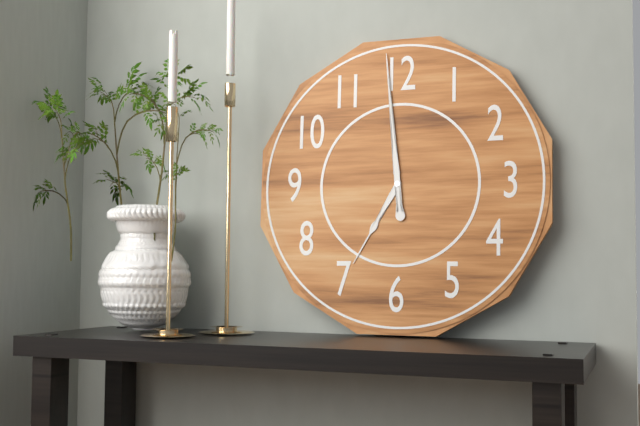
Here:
6,59
